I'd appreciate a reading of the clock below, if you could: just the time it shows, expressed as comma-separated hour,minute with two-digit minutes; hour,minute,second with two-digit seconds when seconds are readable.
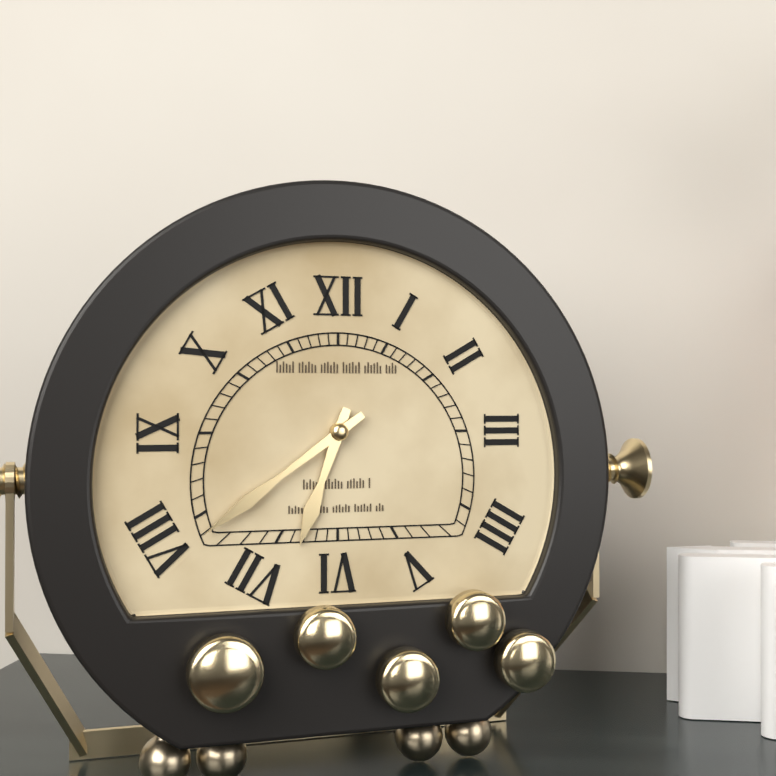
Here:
6,39
